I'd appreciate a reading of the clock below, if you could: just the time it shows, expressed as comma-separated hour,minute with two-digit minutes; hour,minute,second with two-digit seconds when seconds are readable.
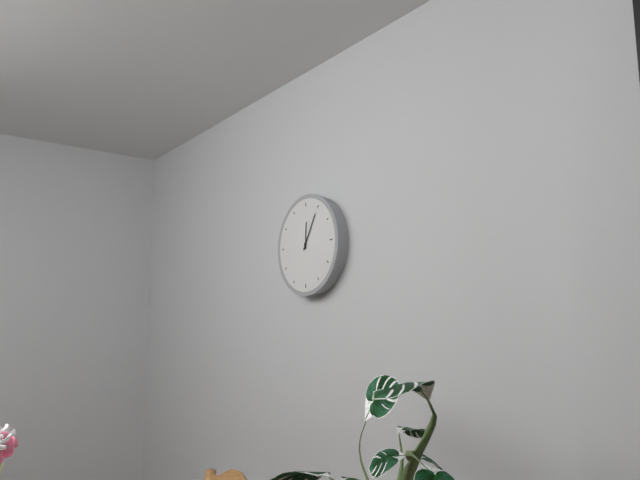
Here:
12,05
